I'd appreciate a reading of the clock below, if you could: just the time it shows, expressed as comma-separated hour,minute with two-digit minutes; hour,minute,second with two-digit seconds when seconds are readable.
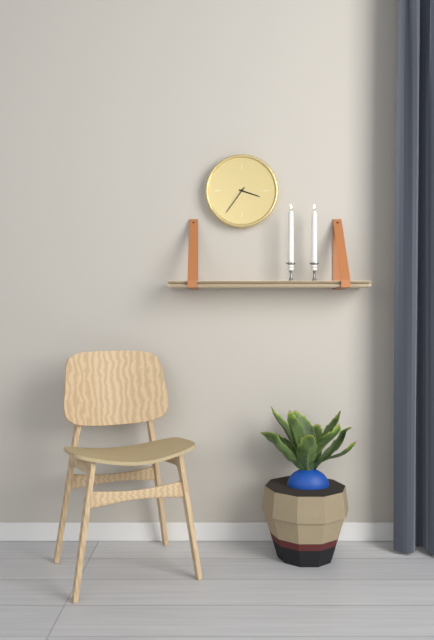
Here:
3,36
